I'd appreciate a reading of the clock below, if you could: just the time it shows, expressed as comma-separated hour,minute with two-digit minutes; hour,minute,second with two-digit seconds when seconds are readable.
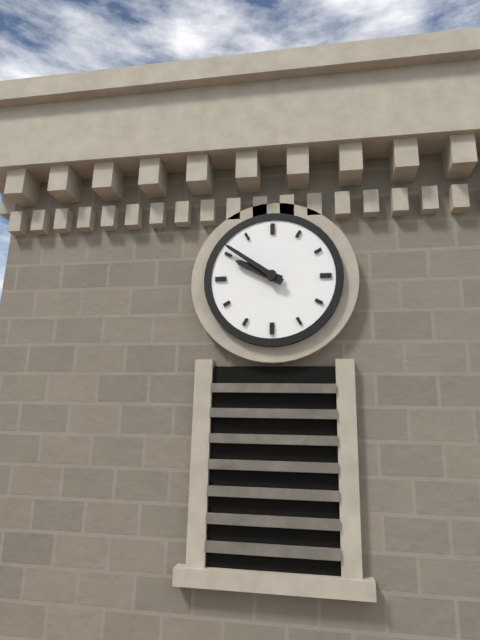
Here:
9,51
